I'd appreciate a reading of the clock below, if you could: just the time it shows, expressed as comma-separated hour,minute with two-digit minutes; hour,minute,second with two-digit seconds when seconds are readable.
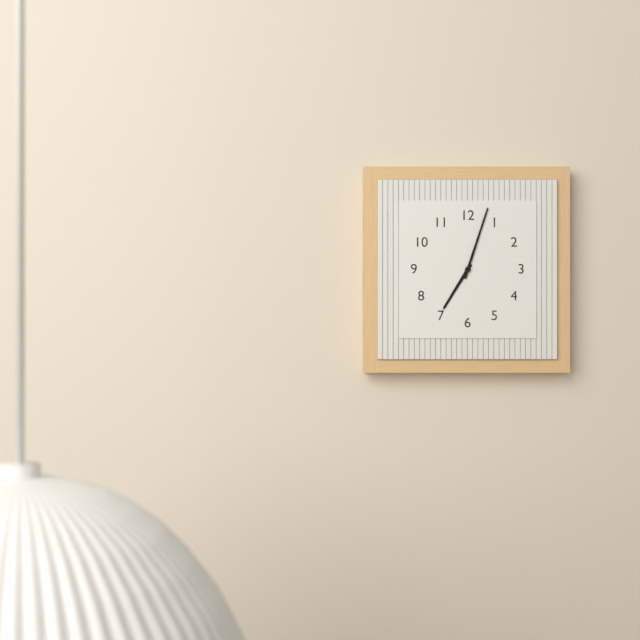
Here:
7,03
